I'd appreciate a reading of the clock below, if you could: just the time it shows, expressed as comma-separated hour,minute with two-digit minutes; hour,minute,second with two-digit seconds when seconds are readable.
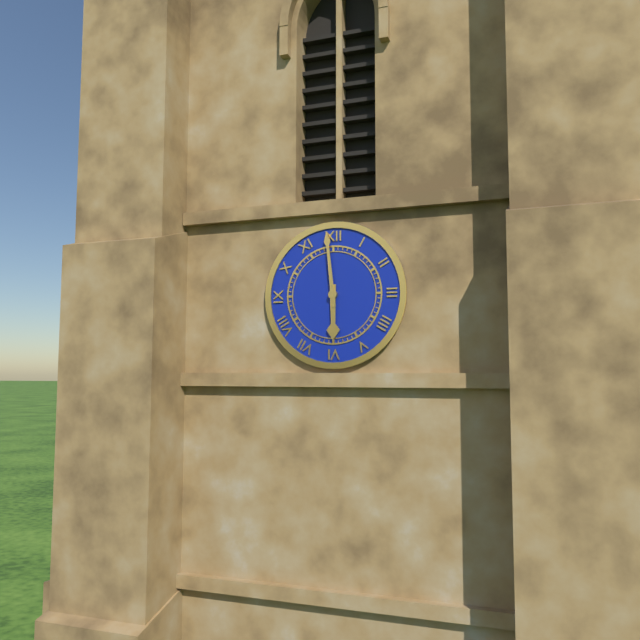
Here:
5,59
